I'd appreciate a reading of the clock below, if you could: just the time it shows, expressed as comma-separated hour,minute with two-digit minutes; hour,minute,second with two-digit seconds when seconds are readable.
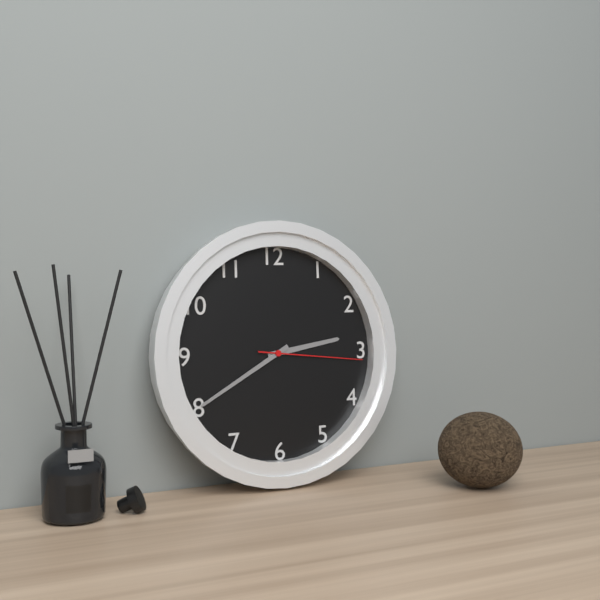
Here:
2,40,16
